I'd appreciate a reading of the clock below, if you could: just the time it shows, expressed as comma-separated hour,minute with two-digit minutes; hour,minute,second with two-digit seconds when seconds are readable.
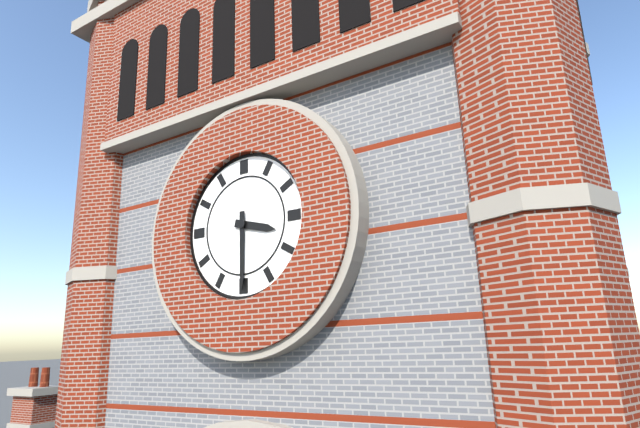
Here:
3,30
